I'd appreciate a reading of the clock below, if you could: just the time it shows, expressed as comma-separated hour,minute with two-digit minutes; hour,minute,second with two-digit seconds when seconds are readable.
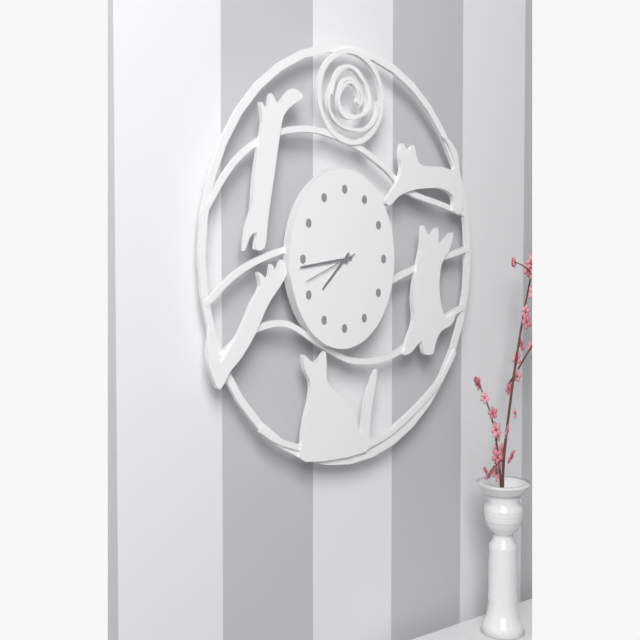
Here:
7,44,42
